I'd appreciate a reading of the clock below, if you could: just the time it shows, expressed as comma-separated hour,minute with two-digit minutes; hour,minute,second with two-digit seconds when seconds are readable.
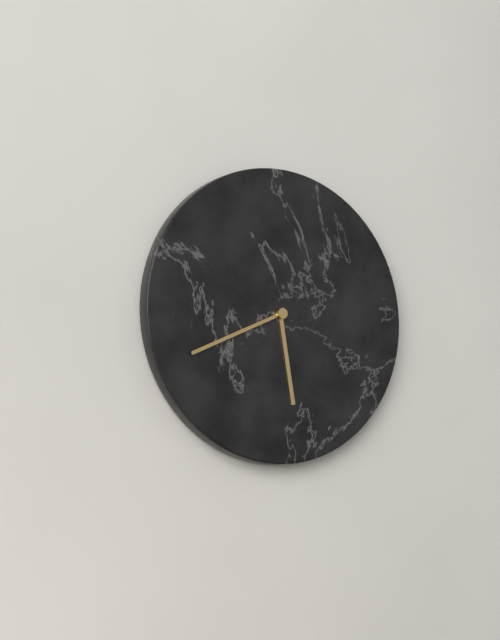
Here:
5,41
